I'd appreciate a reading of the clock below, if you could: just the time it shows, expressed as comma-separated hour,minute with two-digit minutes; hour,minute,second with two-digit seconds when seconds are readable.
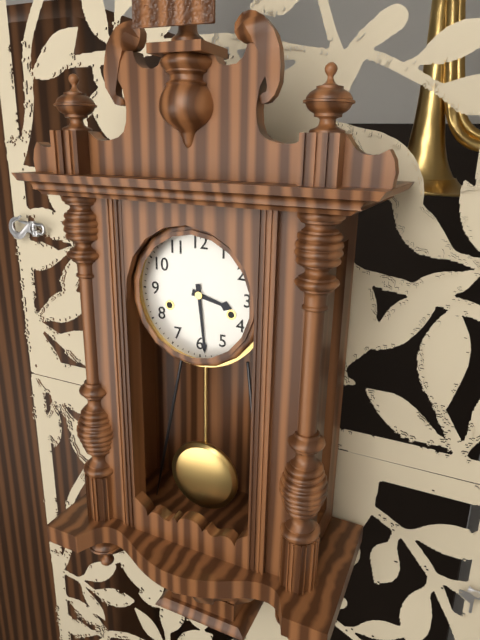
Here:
3,29
